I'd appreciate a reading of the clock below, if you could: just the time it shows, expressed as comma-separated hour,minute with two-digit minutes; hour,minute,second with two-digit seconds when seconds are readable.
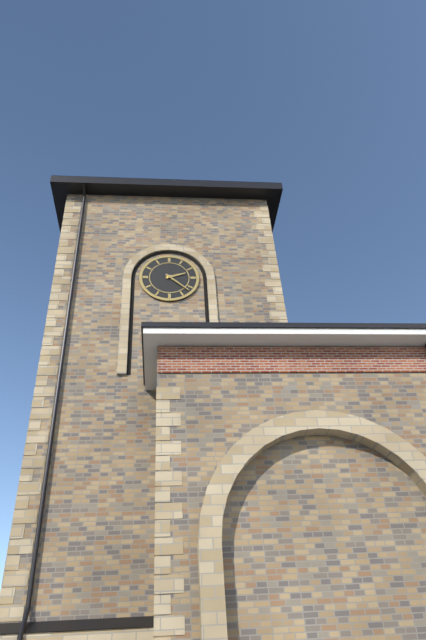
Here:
2,22
